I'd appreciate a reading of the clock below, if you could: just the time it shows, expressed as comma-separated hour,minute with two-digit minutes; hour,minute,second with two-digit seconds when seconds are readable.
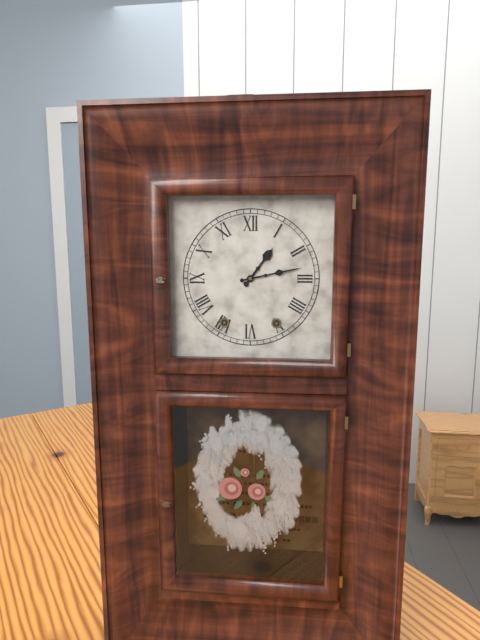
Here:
1,13
